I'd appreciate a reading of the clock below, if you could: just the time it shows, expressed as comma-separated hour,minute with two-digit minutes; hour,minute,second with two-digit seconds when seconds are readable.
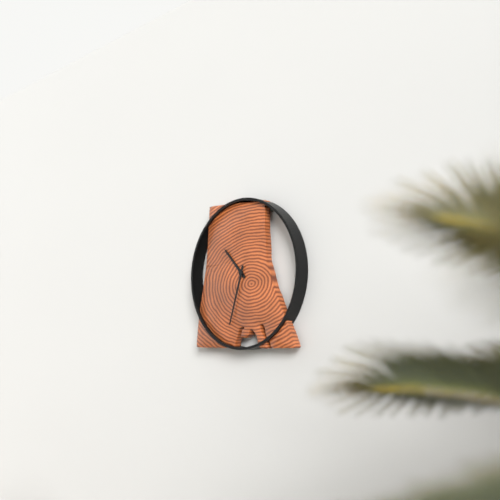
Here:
10,33
